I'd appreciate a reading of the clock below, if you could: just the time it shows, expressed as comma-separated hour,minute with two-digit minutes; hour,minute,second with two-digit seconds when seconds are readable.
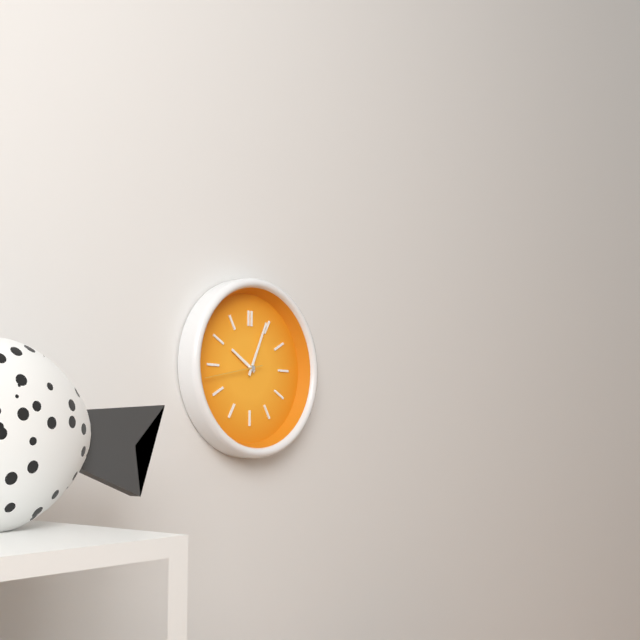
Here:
10,04,43
